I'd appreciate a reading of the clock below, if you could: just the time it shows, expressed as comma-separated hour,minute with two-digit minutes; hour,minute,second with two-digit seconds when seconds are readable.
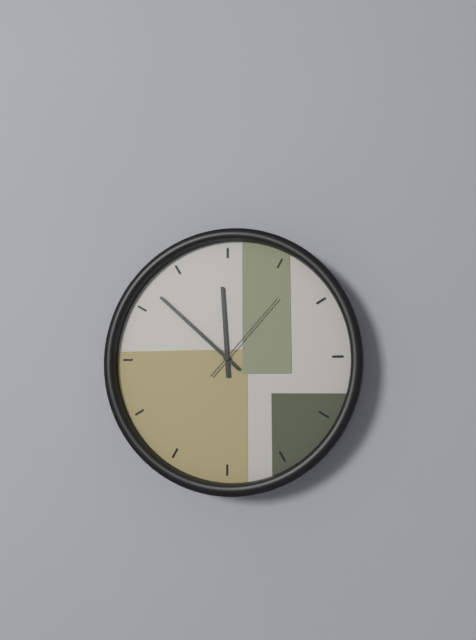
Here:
11,52,07
